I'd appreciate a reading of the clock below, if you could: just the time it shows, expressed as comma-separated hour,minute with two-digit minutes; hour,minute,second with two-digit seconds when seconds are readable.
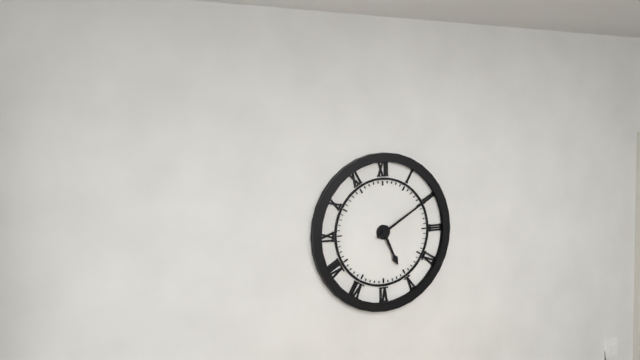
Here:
5,10
